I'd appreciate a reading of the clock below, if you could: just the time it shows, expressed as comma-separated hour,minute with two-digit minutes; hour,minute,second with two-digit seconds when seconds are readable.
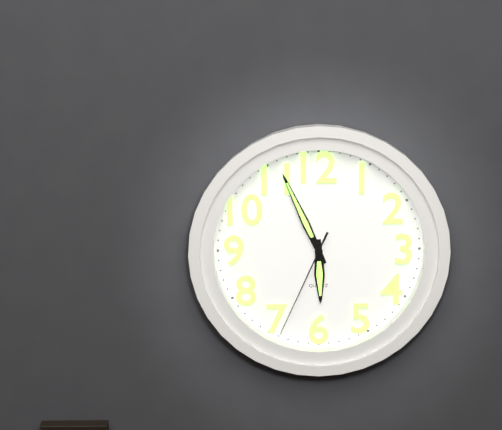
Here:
5,56,34
